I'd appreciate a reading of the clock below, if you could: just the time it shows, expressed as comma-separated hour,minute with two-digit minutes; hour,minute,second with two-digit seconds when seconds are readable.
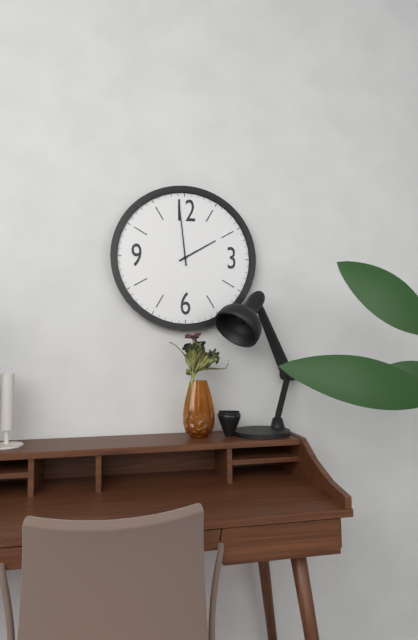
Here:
1,59
